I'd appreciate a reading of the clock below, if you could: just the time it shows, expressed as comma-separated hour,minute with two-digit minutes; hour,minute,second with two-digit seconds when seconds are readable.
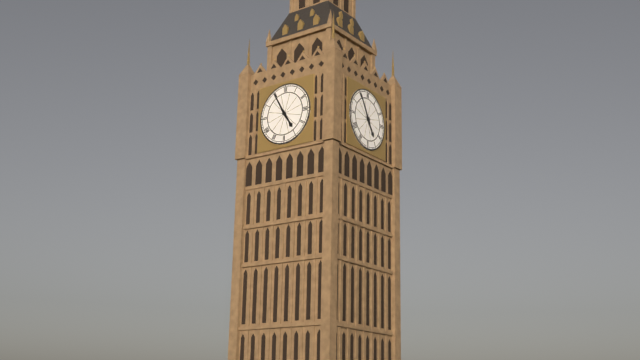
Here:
4,55
